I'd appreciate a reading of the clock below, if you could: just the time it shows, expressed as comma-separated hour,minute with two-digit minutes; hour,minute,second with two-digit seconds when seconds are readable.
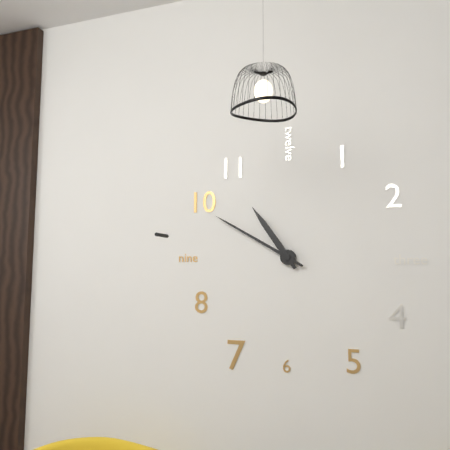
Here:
10,50
